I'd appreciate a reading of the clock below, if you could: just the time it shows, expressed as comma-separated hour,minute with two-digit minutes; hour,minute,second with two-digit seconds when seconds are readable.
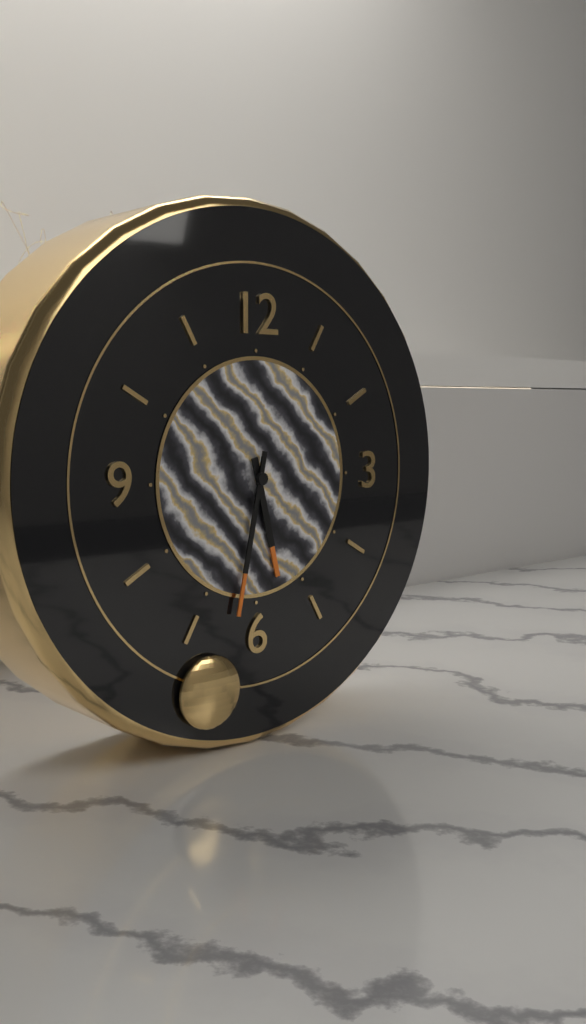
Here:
5,32
